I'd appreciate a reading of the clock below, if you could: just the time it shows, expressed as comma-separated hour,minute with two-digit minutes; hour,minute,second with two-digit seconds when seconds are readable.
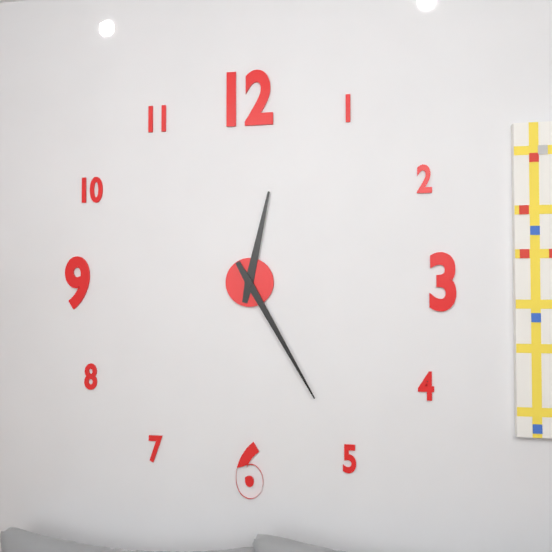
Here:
12,25
